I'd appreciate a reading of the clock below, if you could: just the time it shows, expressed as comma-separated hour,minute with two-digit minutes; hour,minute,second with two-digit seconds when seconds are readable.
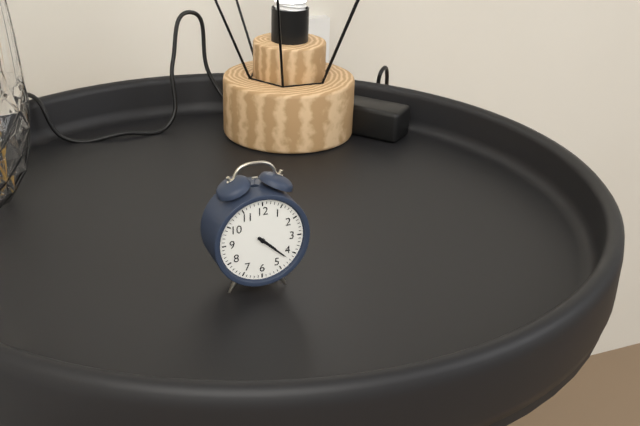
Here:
4,22
